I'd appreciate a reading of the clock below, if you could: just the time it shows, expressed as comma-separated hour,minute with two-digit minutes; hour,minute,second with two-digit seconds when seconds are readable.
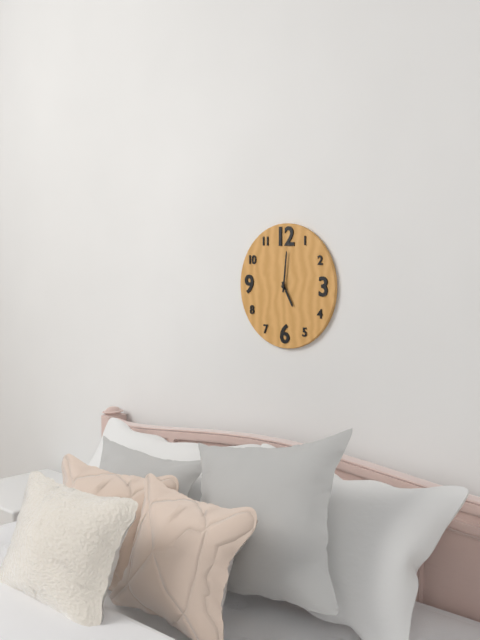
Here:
5,01
